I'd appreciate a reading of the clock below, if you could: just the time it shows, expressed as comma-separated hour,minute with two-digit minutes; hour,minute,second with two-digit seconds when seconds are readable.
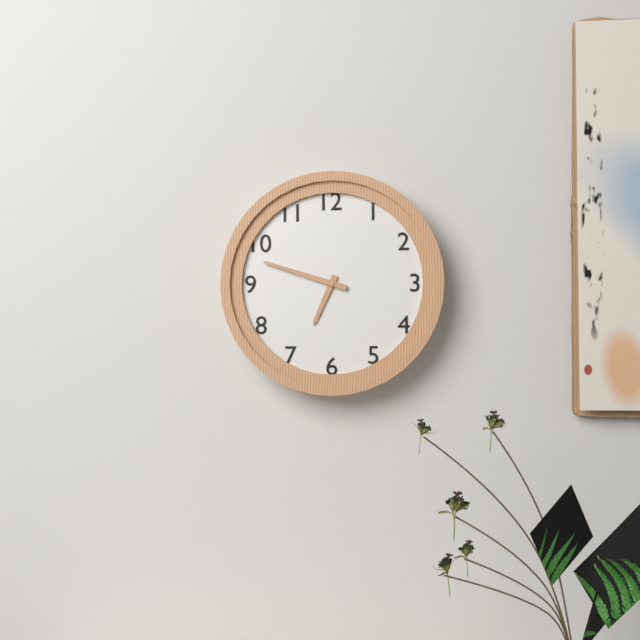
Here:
6,48
